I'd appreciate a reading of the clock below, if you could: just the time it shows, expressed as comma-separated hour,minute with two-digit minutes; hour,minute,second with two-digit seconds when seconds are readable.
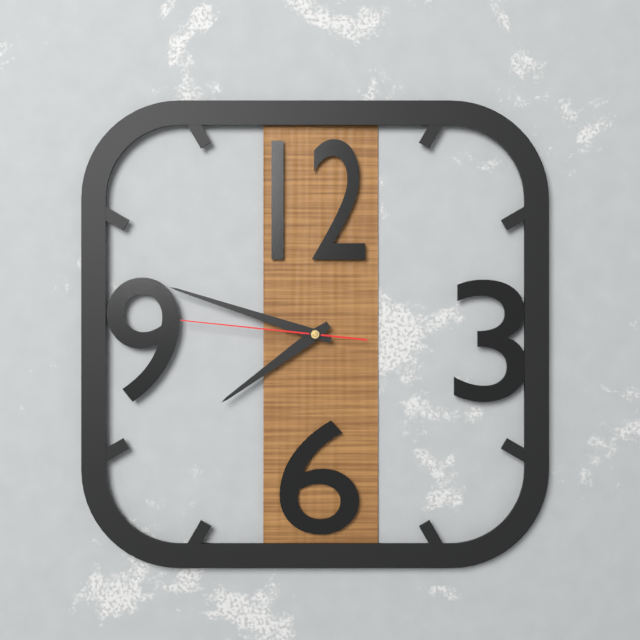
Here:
7,48,46
